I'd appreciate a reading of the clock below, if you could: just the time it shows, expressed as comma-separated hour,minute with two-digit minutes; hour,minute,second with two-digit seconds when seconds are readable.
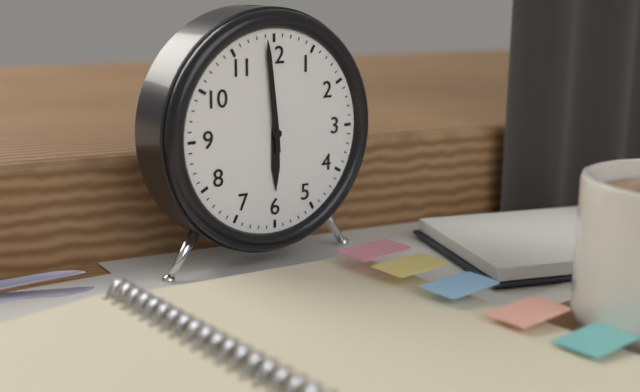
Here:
5,59
